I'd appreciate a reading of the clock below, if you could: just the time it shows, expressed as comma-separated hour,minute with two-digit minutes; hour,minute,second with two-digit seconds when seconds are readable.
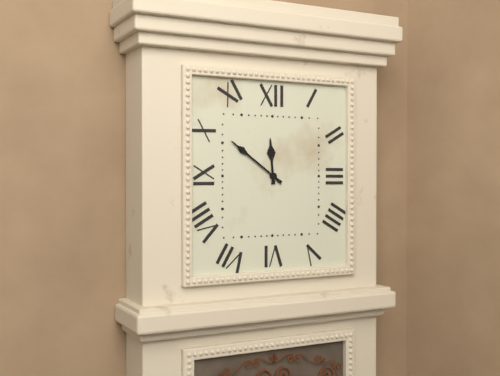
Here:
11,51
